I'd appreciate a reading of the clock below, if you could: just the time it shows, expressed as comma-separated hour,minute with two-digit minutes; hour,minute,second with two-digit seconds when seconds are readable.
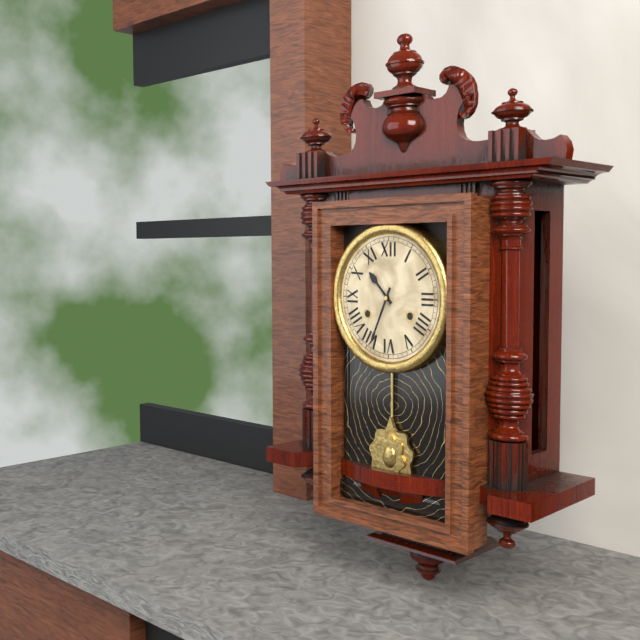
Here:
10,34
